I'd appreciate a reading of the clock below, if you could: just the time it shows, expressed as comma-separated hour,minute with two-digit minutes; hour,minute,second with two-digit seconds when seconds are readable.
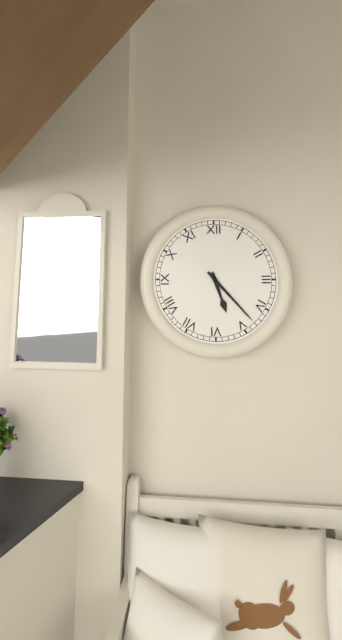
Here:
5,23
